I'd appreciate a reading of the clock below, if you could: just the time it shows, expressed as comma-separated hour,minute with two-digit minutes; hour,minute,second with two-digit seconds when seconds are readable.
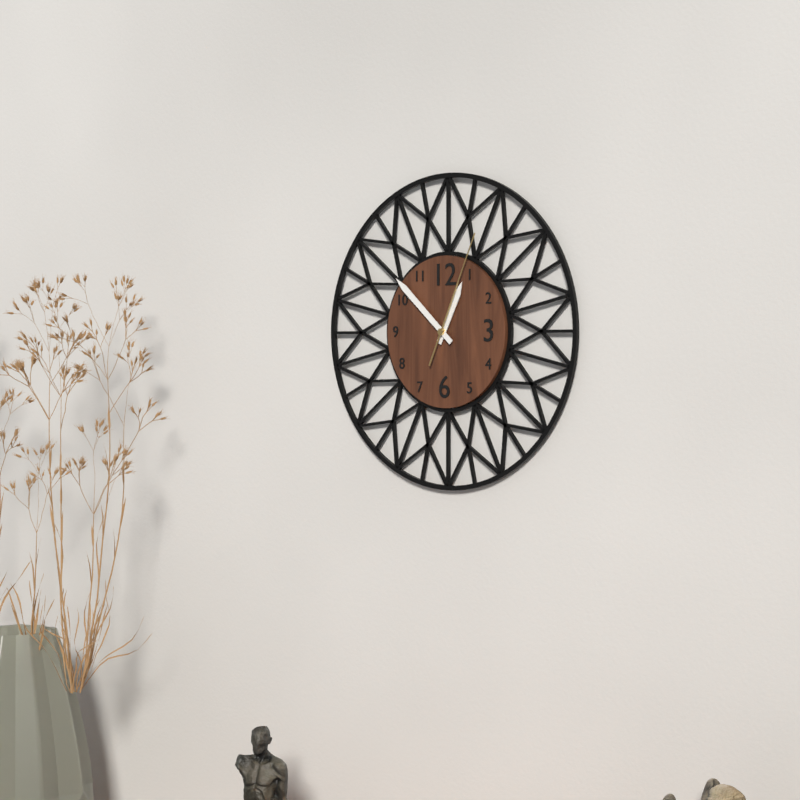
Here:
12,52,04
